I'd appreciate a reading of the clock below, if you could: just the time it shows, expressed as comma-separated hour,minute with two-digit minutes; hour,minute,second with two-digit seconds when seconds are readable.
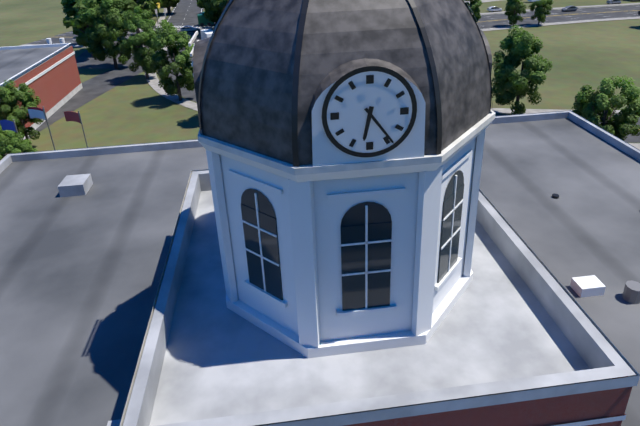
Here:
6,24
